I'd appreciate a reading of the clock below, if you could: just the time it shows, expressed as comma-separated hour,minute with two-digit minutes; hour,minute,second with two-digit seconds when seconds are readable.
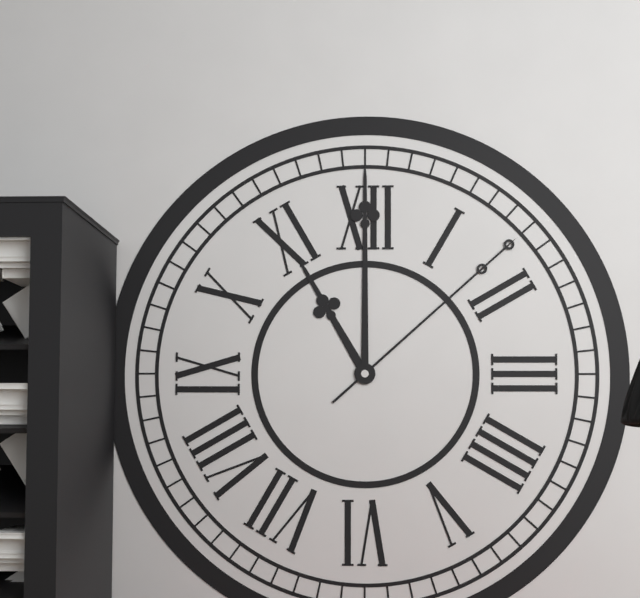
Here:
11,00,08
